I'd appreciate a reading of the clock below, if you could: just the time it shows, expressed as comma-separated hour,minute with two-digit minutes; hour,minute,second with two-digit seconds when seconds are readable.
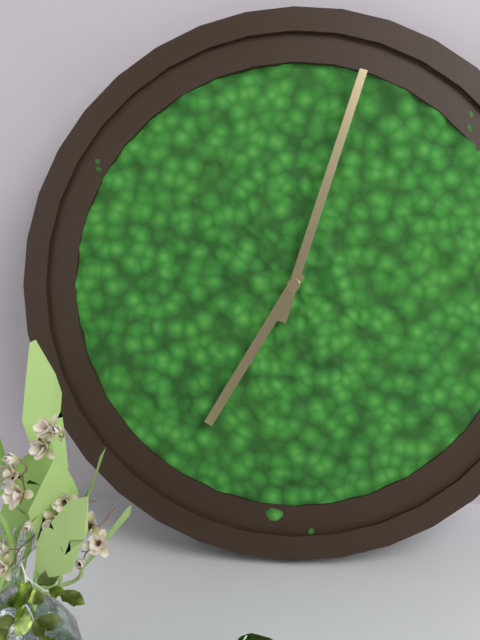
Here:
7,03
